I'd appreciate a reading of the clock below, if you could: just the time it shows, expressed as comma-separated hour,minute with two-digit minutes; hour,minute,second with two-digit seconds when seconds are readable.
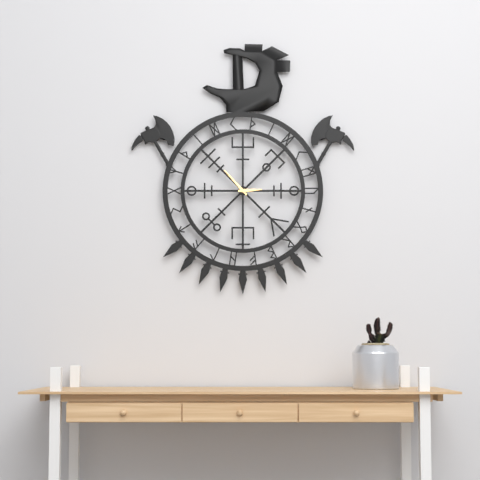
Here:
2,53
